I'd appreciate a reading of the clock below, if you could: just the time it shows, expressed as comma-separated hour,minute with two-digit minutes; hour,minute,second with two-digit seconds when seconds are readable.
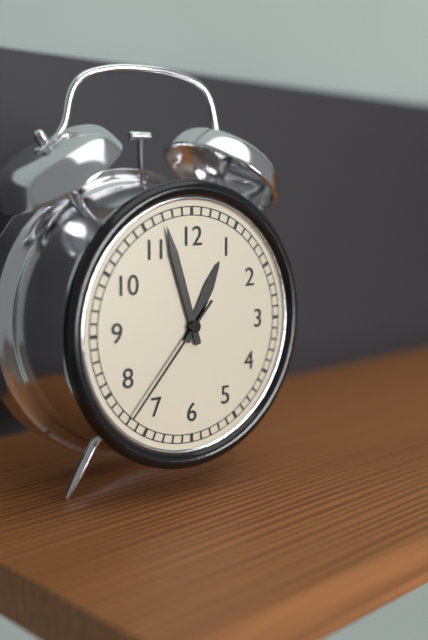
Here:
12,57,37
